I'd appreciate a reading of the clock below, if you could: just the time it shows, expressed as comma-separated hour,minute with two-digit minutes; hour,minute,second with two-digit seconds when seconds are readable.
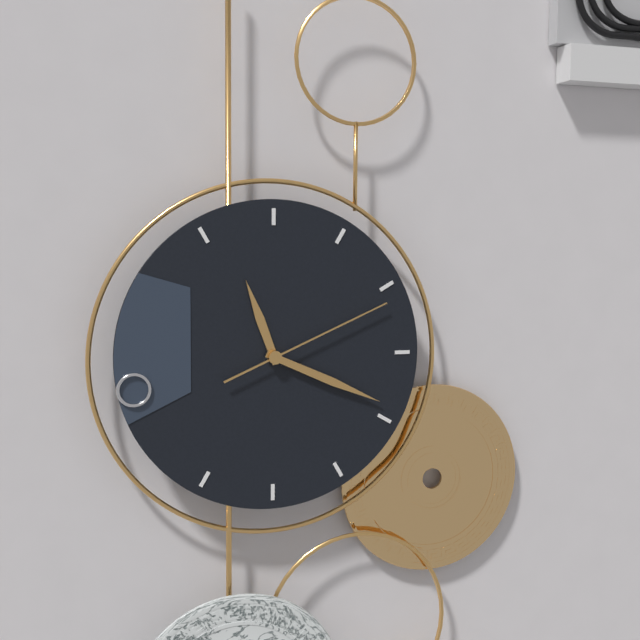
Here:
11,19,11
